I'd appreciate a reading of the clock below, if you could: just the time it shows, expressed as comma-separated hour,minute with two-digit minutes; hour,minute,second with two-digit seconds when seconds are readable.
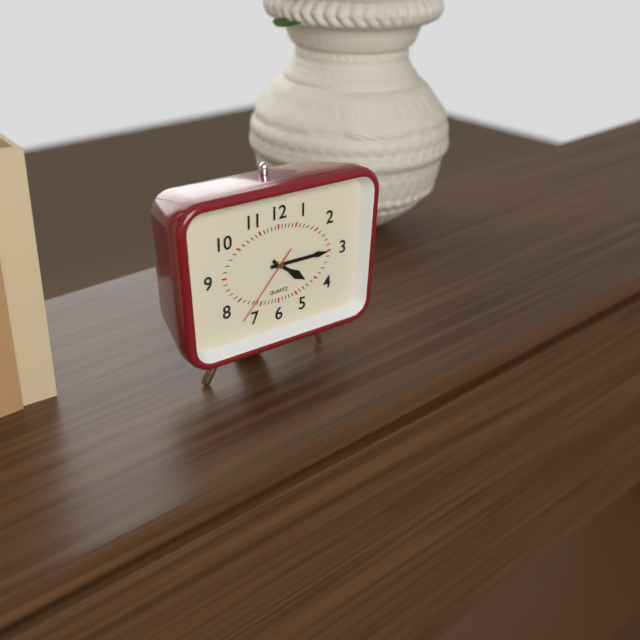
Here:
4,15,37
